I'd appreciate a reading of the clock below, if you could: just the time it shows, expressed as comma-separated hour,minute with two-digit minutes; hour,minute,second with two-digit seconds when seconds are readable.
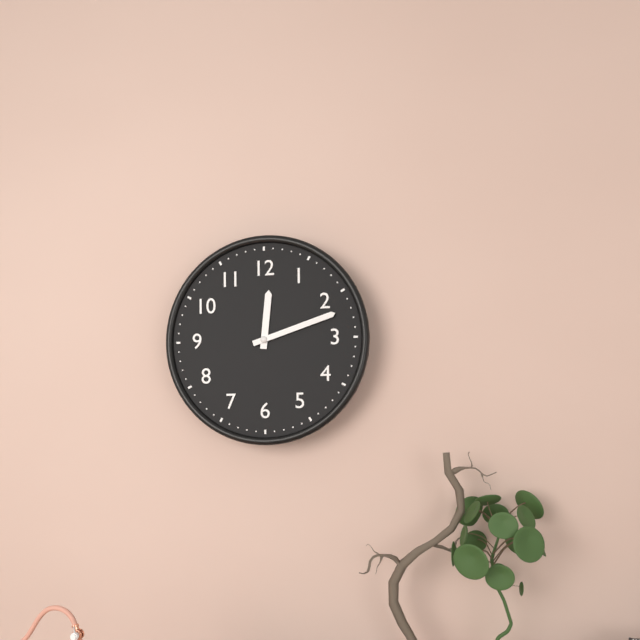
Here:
12,12
